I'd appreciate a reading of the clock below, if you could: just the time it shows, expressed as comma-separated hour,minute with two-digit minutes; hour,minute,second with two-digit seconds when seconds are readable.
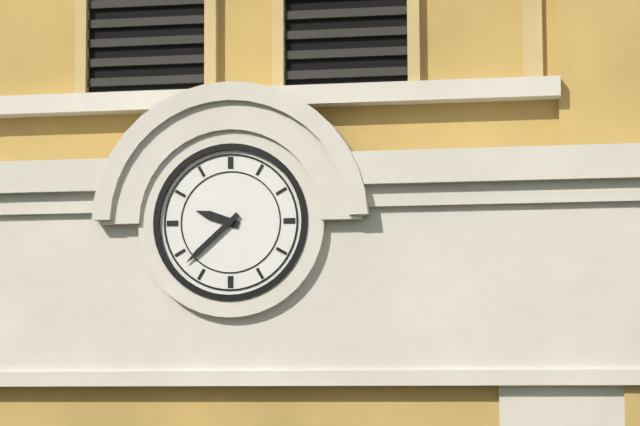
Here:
9,38
